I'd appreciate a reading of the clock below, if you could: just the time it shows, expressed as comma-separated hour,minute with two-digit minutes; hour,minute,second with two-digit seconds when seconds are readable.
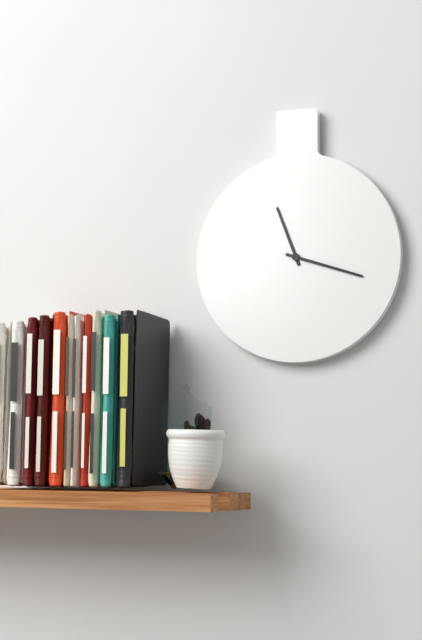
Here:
11,18
